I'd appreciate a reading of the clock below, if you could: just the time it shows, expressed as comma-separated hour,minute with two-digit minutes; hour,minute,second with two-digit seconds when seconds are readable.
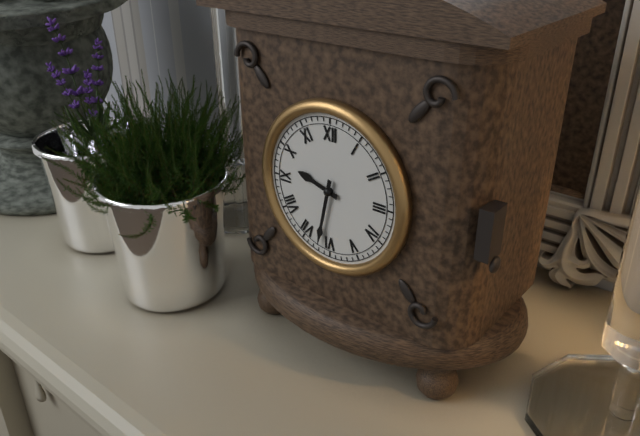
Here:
9,32
